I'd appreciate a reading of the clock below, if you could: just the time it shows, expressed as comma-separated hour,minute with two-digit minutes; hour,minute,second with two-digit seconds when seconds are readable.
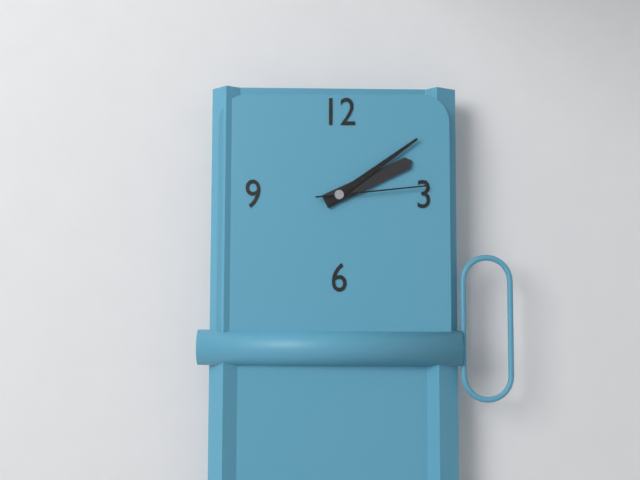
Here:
2,09,14
